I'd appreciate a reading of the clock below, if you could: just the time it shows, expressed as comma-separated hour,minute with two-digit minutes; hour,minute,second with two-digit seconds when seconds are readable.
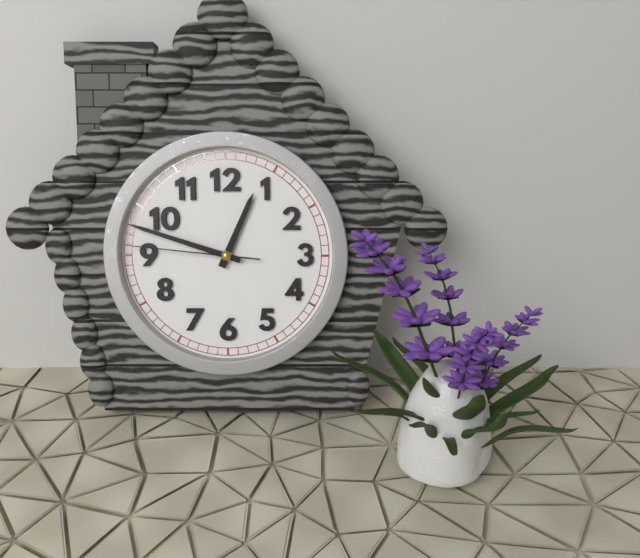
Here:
12,48,46
